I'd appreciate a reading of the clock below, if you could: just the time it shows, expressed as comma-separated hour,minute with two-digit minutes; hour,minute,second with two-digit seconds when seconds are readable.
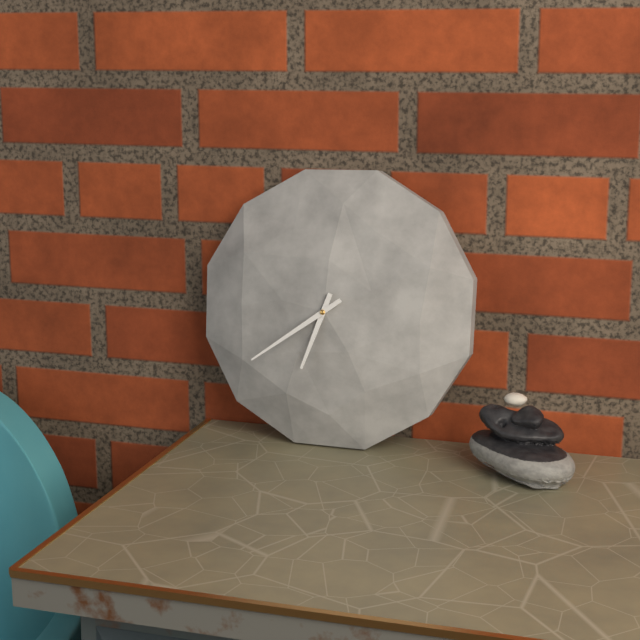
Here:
6,39
